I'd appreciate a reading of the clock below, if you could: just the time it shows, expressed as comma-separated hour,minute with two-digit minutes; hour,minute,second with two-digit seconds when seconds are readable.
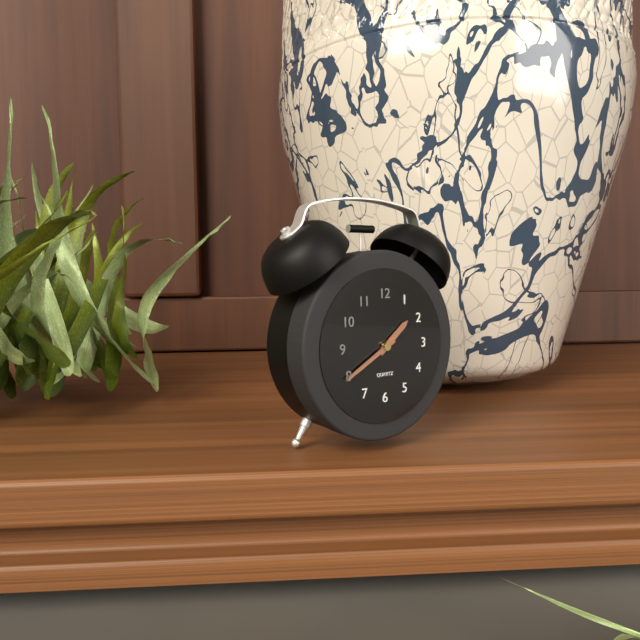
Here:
1,40
